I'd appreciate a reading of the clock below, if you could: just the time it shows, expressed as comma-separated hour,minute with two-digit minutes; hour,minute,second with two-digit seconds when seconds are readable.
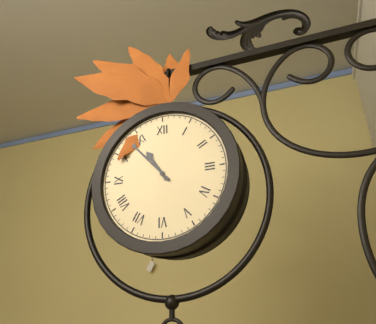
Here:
10,53
